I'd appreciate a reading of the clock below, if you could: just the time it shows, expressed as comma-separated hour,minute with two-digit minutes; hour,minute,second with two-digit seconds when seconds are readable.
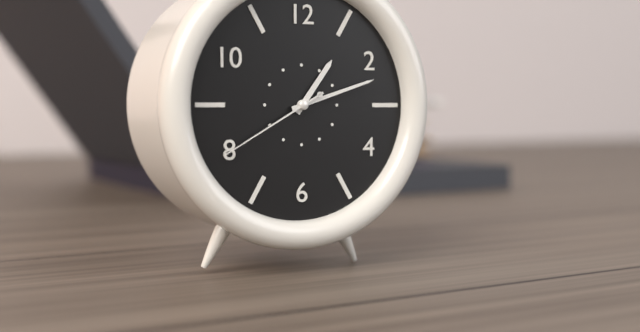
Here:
1,12,40
